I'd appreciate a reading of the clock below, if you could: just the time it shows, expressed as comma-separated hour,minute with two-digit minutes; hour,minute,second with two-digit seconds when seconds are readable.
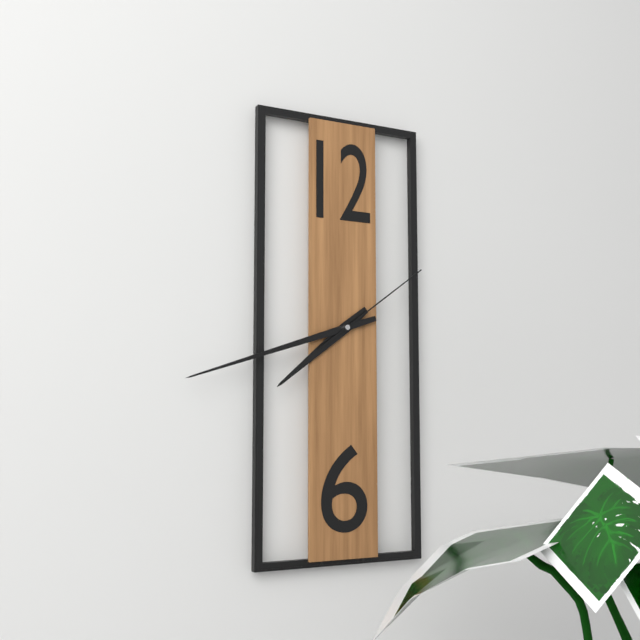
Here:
7,42,09
